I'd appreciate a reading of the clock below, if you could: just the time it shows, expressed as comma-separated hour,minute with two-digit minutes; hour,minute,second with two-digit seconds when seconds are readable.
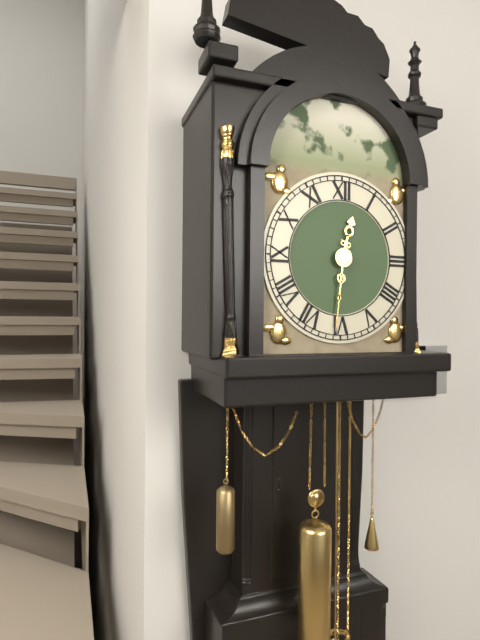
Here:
12,31
